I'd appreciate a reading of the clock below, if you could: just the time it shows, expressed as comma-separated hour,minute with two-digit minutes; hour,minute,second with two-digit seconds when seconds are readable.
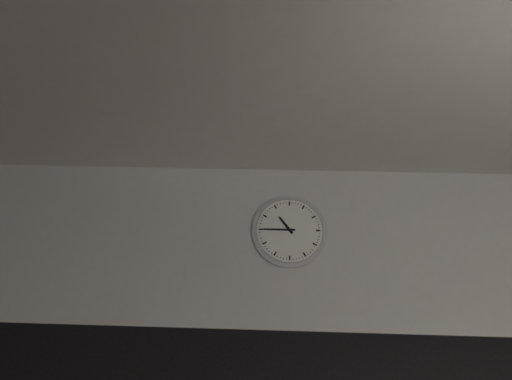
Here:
10,45
